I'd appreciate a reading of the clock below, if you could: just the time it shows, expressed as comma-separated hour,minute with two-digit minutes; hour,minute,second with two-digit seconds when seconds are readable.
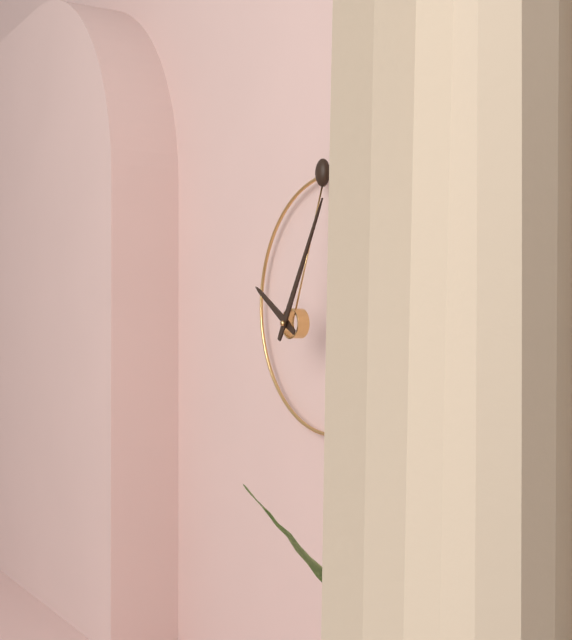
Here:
10,05
